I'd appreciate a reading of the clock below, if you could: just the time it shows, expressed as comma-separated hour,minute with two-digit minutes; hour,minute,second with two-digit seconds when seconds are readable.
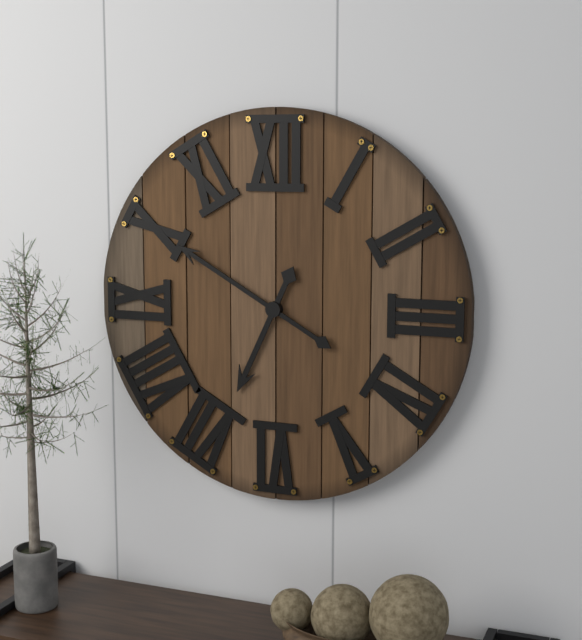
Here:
6,50
